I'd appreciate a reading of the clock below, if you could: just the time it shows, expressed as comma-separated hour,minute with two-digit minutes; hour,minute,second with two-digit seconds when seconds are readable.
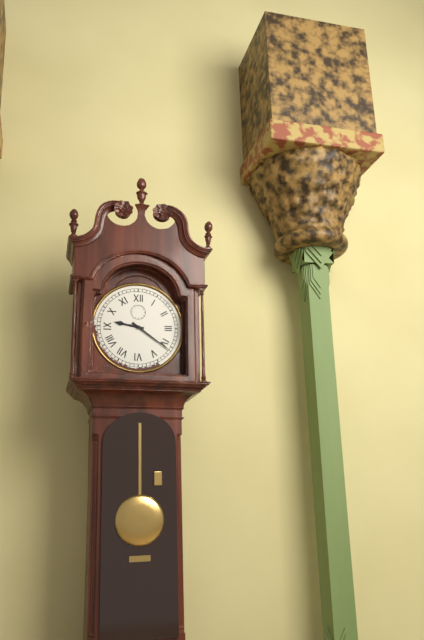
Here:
9,21
